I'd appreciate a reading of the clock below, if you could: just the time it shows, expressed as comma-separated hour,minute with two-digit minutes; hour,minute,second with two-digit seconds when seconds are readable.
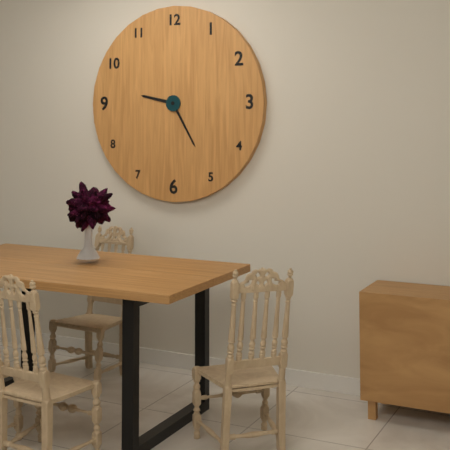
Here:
9,25
